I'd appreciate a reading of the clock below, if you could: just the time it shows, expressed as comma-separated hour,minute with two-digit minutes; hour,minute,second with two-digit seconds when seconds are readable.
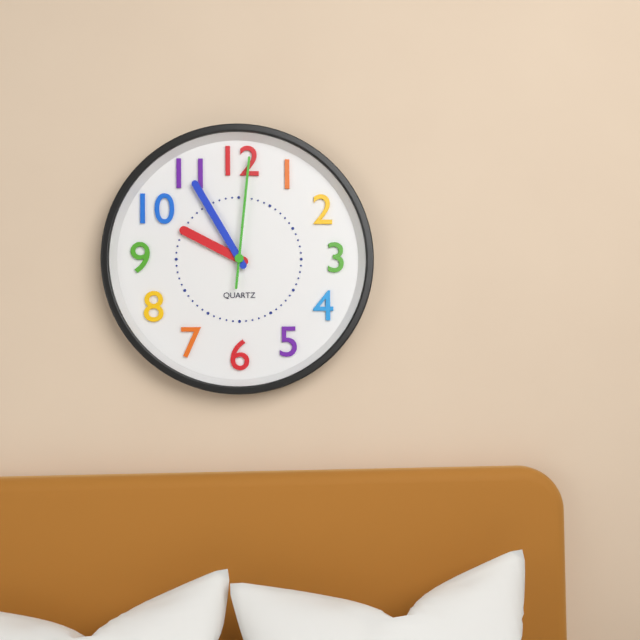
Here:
9,55,01
